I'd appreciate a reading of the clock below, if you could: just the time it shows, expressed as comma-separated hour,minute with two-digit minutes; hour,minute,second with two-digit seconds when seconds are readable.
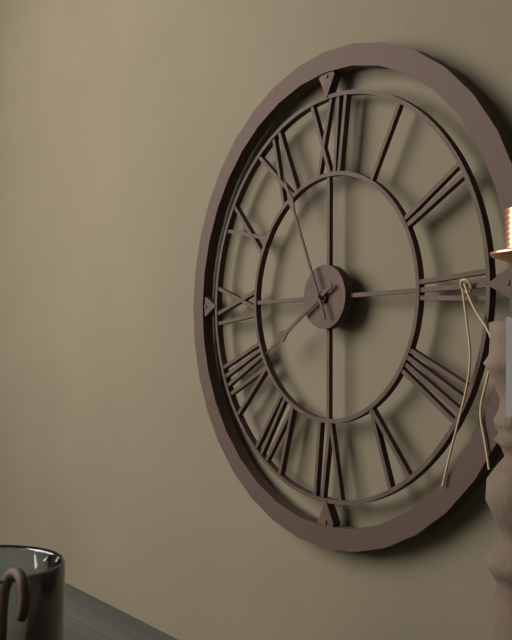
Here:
7,56
